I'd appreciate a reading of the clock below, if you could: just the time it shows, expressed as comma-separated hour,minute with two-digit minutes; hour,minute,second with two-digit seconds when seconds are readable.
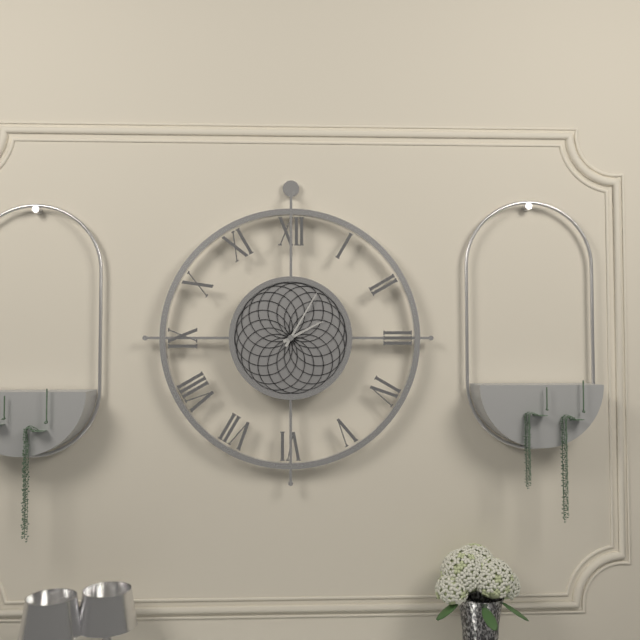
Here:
2,05
